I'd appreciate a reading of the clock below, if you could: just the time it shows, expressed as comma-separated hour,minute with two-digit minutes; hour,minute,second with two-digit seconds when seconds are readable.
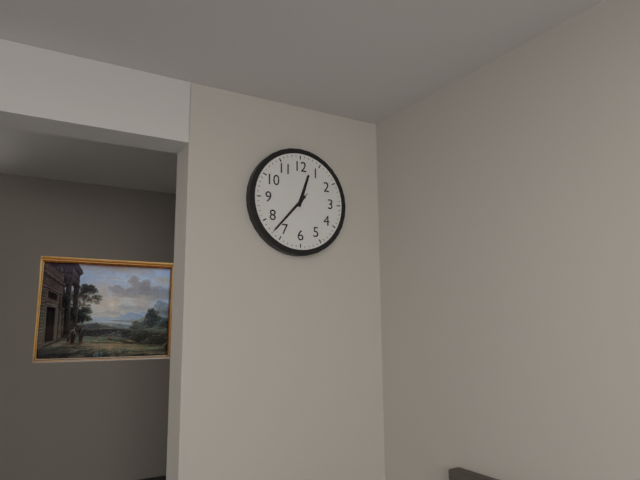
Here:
12,37,37
